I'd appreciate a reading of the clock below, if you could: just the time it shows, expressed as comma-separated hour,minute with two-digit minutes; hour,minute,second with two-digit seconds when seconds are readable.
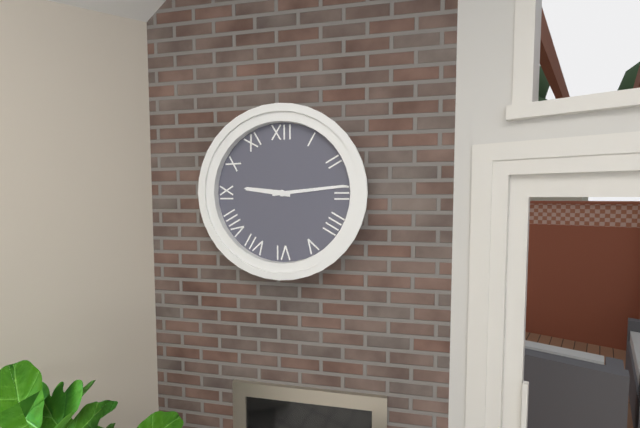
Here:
9,14
